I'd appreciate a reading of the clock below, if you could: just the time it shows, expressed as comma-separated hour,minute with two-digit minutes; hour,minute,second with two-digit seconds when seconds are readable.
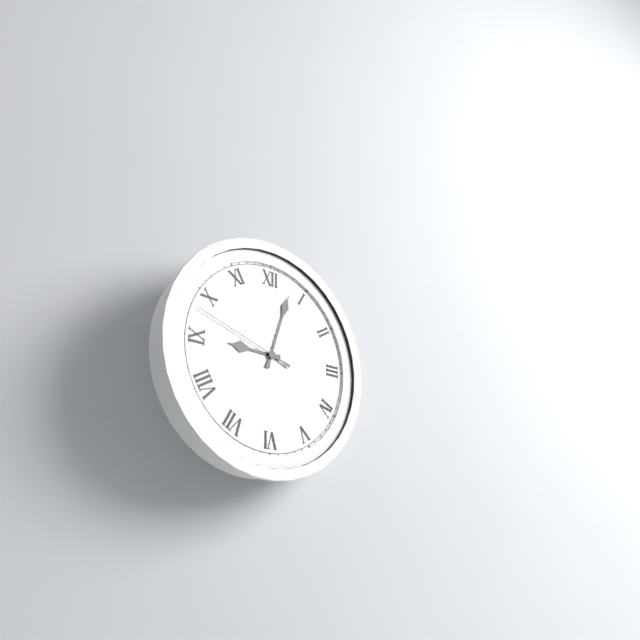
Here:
9,03,48
